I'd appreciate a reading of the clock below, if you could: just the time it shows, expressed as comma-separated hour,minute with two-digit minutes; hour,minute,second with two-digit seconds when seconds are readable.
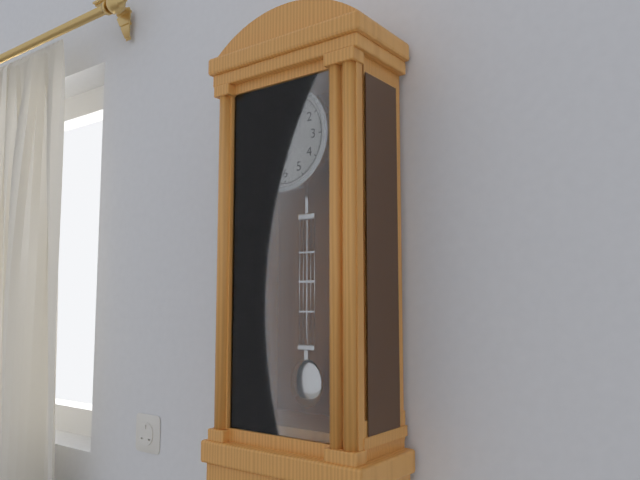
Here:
5,53
